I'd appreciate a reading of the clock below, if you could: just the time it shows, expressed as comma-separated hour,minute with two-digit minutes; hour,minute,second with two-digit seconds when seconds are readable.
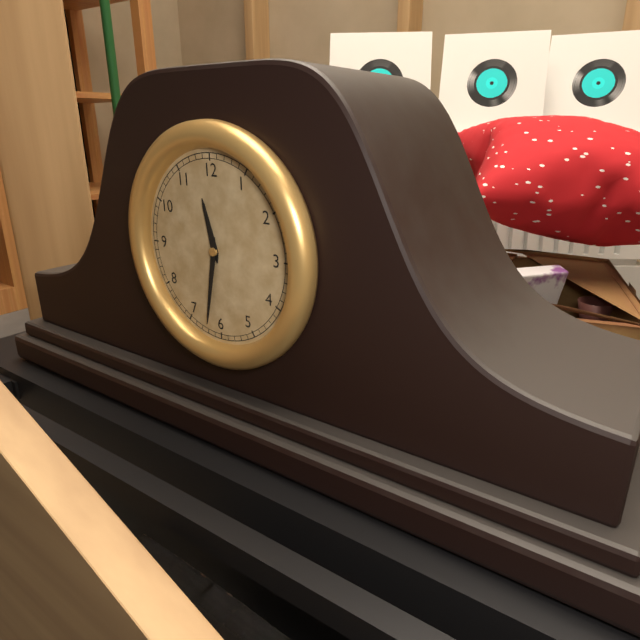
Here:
11,32
